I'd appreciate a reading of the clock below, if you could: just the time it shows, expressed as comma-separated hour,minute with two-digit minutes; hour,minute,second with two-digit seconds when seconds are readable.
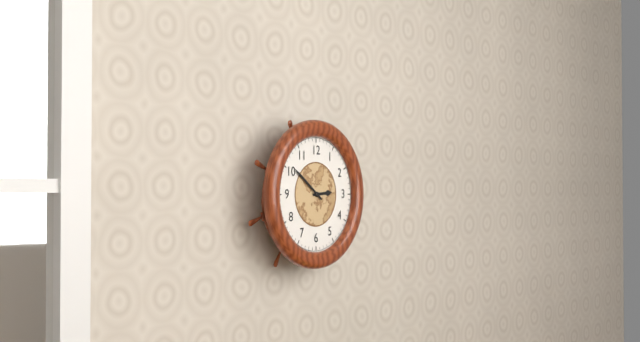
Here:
2,51
